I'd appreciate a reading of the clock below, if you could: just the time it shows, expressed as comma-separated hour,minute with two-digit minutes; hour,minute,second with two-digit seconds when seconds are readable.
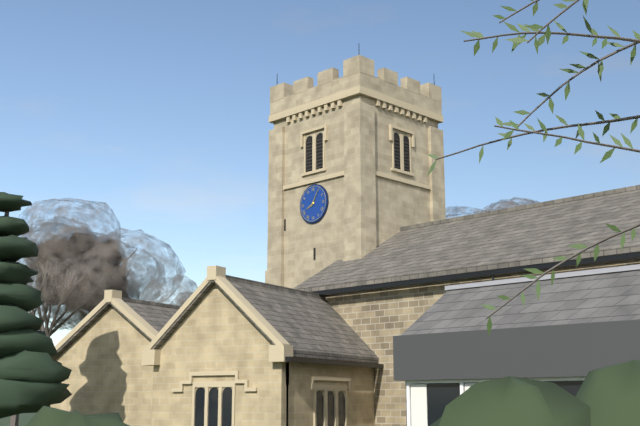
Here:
8,05
